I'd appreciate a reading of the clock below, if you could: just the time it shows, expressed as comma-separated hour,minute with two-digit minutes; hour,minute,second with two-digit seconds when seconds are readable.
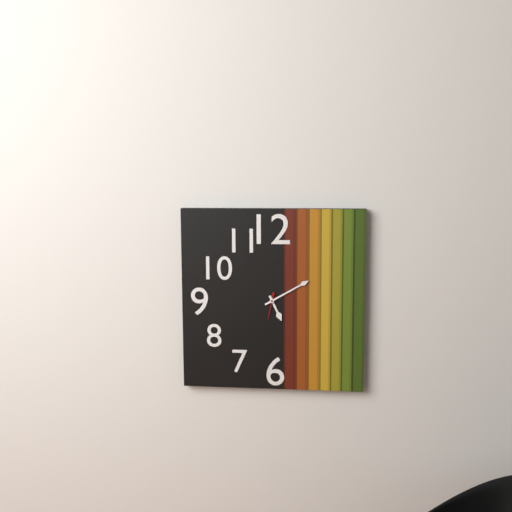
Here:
5,10
